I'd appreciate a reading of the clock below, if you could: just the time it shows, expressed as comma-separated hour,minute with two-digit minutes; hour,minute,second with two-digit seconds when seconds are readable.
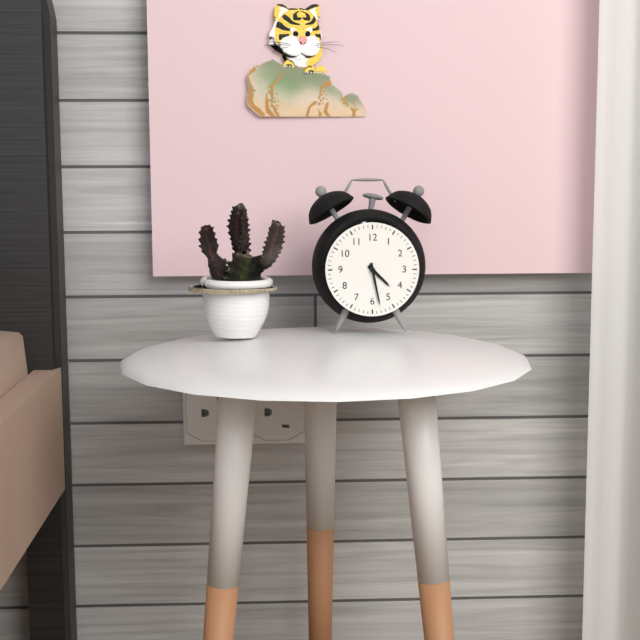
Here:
4,28
